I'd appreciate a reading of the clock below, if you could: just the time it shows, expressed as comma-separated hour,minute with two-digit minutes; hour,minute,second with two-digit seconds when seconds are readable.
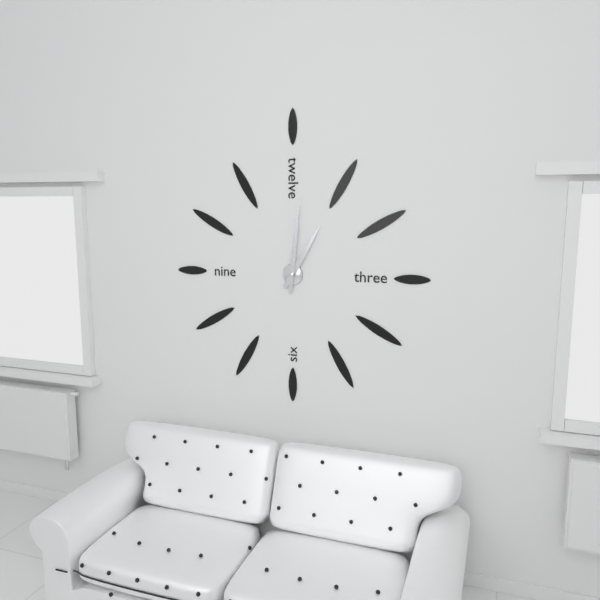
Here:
1,01
